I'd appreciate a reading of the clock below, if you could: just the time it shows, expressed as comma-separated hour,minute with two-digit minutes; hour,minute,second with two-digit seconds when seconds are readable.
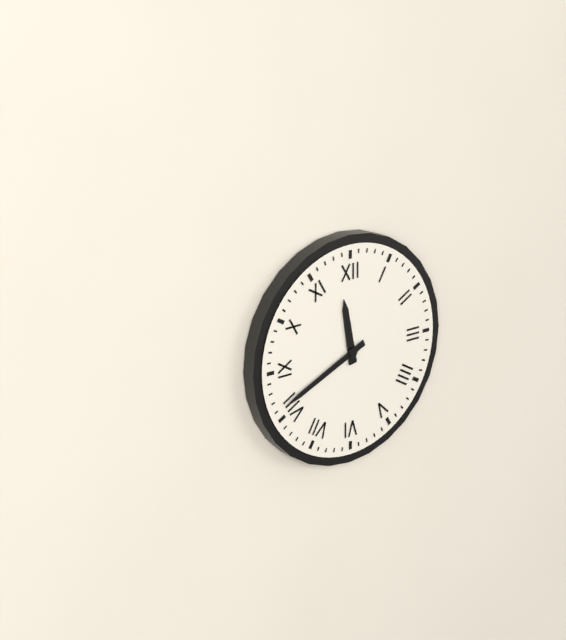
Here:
11,41
